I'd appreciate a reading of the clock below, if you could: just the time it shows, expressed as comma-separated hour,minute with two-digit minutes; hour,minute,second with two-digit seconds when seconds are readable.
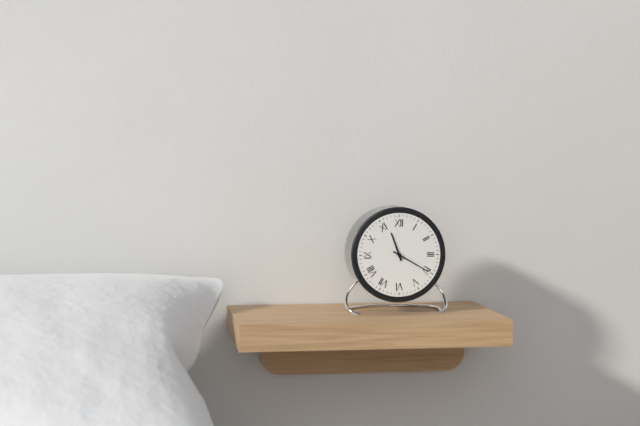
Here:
11,20
